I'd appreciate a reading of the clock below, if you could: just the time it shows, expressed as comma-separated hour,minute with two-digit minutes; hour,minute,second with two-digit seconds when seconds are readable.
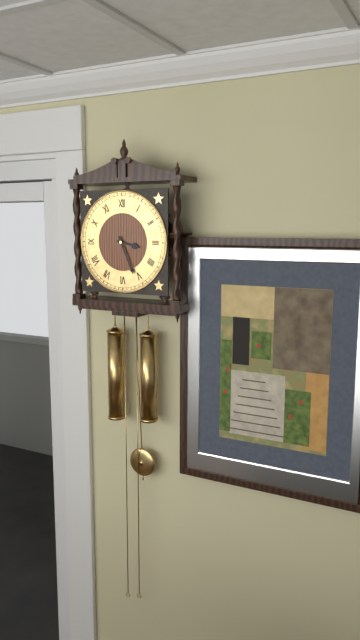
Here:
3,26
